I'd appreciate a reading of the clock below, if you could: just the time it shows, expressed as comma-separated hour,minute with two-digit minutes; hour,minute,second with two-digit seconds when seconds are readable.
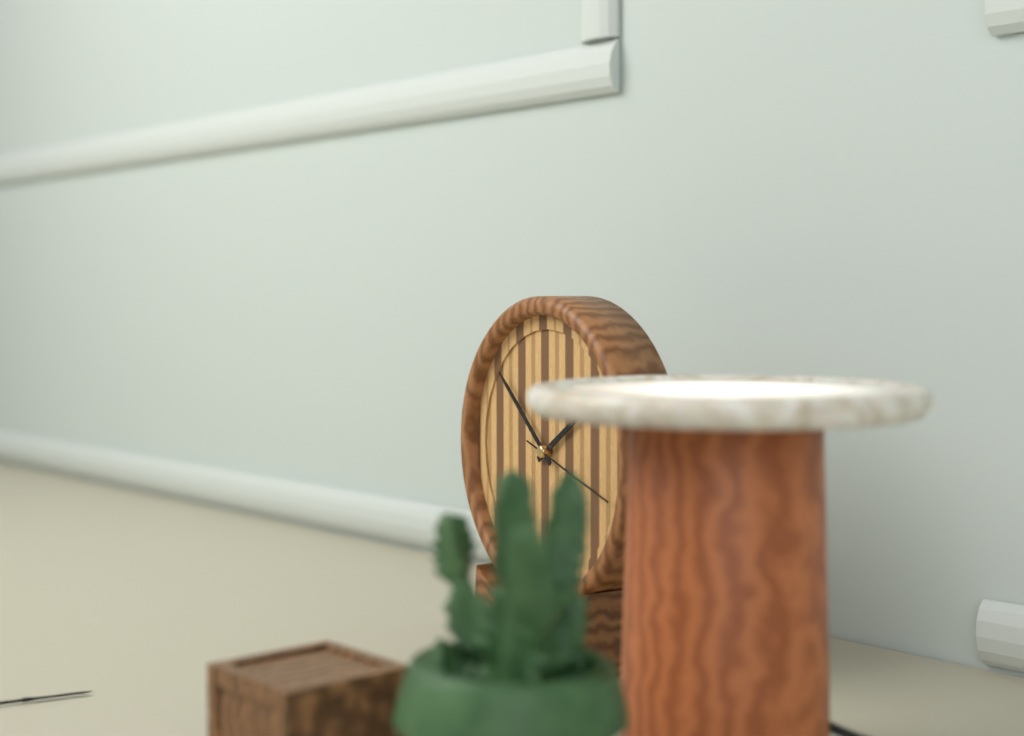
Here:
1,52,18
